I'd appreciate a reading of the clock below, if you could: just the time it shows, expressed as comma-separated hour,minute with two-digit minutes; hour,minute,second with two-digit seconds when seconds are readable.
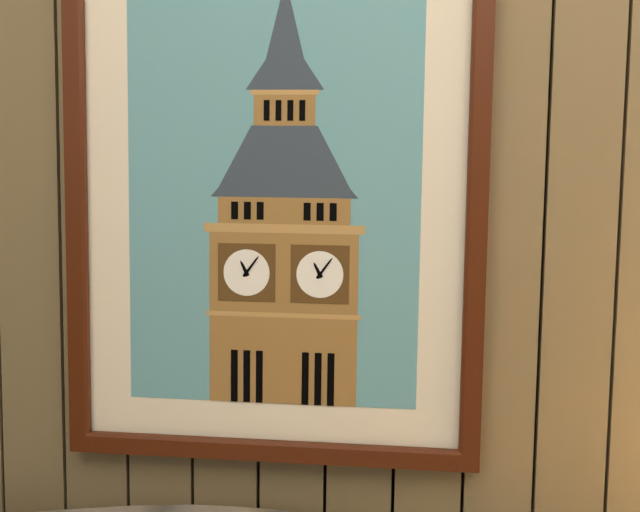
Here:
11,06
